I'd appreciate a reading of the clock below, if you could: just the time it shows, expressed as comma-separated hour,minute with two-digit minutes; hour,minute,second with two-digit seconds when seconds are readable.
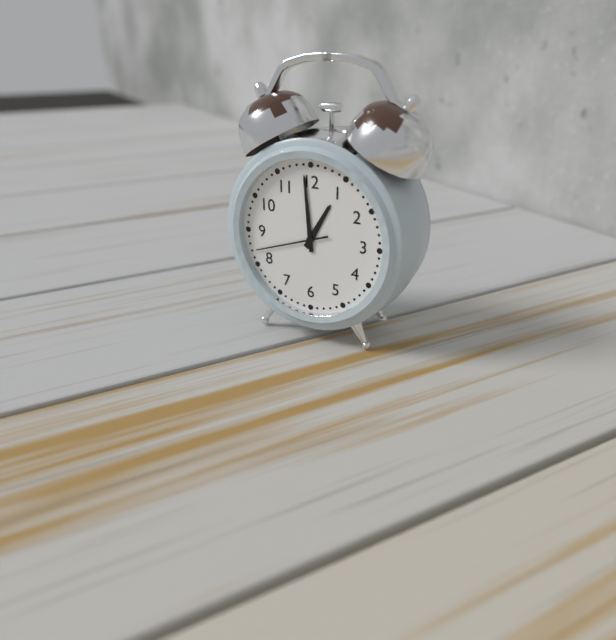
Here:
12,59,42
